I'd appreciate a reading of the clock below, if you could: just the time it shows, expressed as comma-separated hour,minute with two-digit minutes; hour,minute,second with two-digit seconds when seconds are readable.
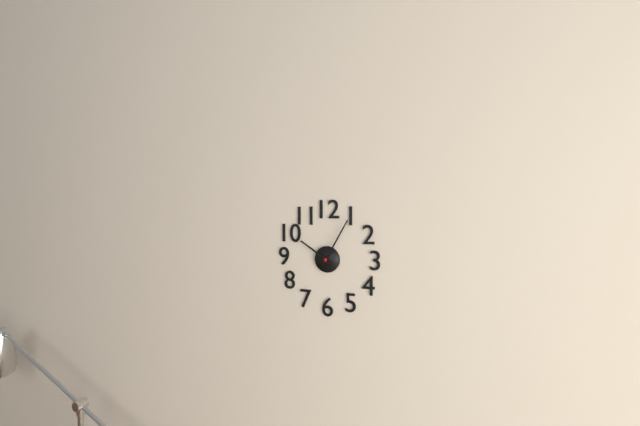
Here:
10,05
